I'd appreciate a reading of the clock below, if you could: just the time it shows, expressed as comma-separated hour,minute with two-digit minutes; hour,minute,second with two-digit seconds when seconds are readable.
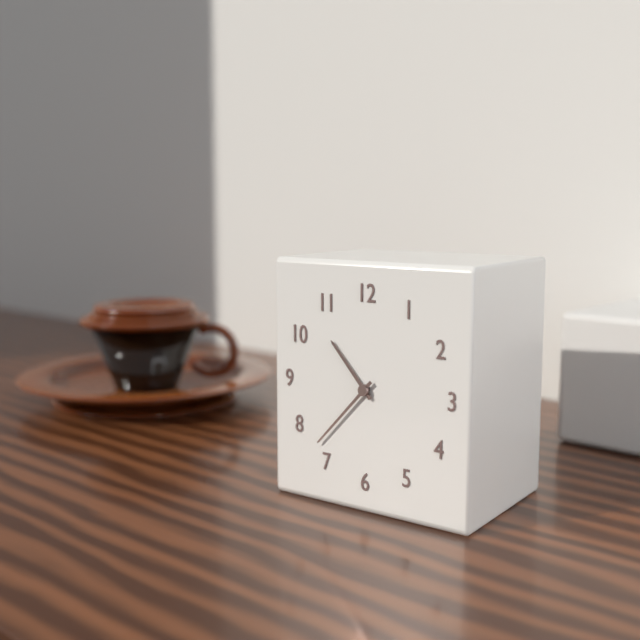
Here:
10,37
